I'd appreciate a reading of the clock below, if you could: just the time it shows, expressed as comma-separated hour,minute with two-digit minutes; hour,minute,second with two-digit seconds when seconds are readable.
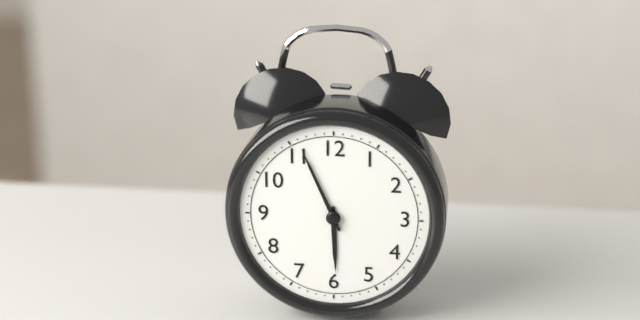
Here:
5,56
